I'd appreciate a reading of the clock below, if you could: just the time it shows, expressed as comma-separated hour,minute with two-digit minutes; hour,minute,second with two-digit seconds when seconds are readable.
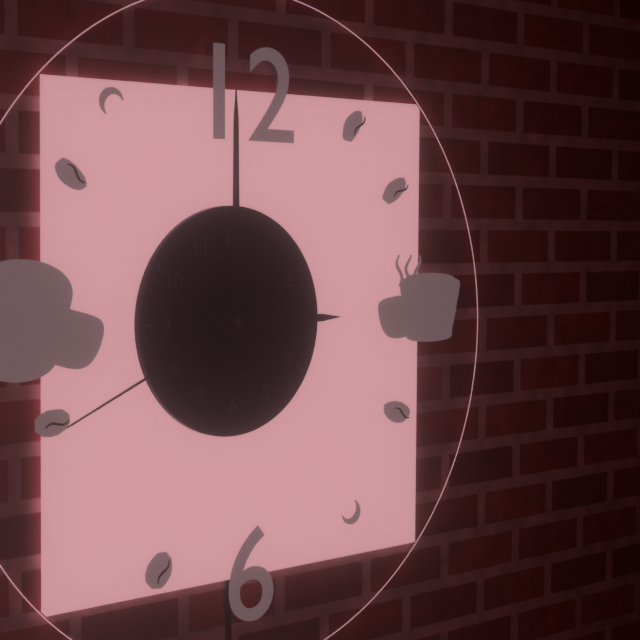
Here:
3,00,41
